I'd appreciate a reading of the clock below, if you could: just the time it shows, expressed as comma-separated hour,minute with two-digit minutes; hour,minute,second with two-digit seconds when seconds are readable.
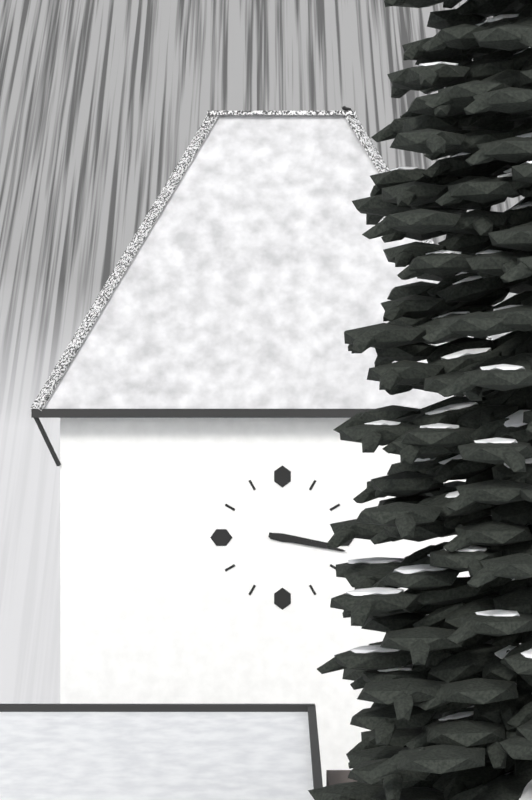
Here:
3,17
